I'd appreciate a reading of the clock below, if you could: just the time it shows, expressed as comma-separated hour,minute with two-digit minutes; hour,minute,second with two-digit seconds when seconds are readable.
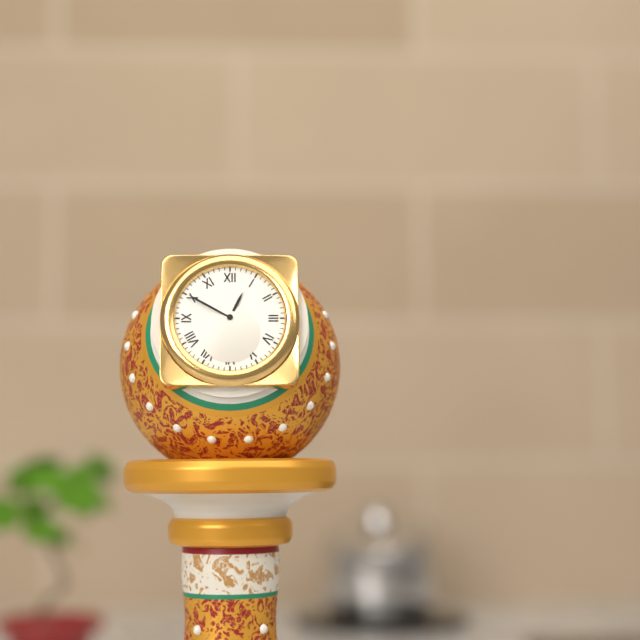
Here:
12,50
